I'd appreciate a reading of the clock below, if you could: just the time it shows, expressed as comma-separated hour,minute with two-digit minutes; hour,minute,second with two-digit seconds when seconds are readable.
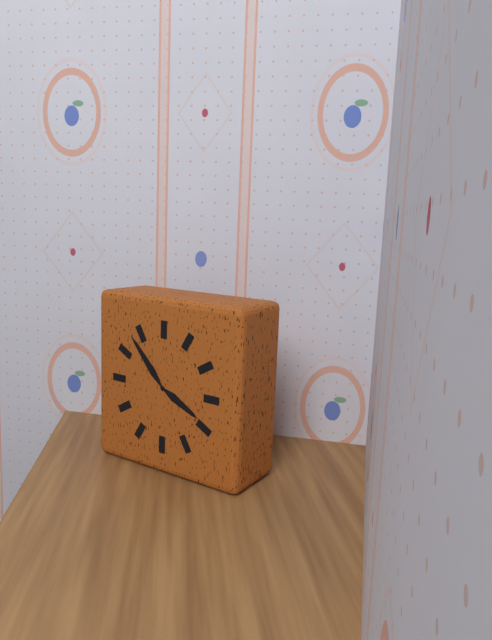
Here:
3,53
